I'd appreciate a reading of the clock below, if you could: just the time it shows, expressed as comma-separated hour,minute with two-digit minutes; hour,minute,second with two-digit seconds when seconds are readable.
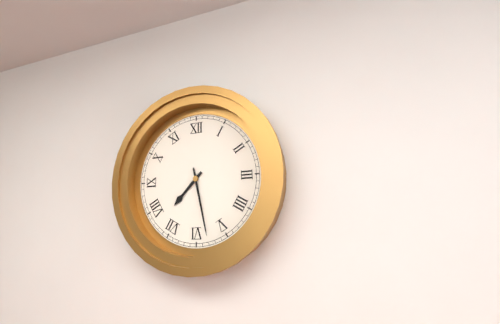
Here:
7,28
